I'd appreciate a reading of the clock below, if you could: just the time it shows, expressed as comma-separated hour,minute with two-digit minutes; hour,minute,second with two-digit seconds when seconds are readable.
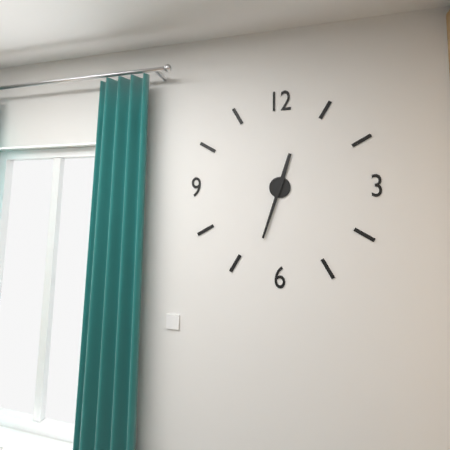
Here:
12,33
